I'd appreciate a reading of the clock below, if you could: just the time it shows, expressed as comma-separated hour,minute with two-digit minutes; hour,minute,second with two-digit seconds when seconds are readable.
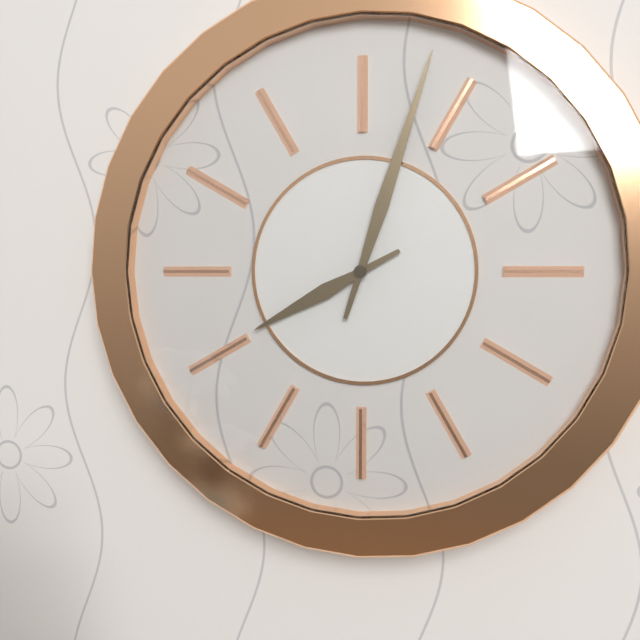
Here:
8,03
